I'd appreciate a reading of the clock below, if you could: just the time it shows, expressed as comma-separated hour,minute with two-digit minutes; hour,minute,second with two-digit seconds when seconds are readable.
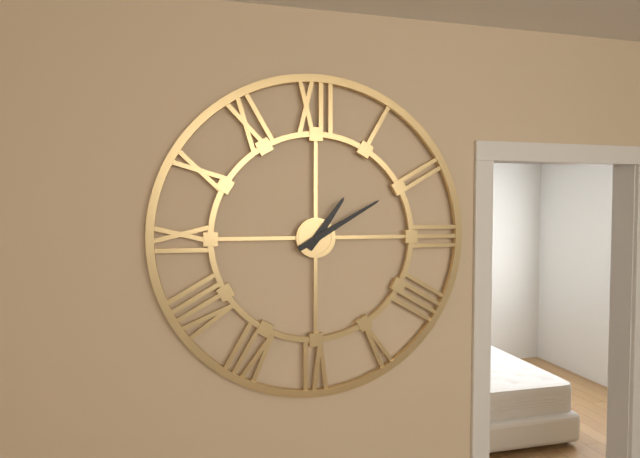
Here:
1,10
